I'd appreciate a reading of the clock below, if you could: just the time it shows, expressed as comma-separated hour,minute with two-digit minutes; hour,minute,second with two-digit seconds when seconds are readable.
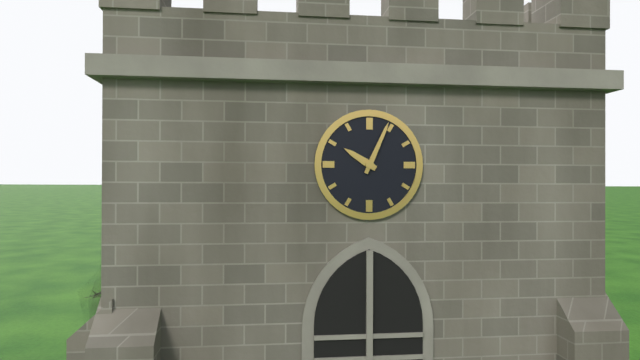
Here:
10,04
